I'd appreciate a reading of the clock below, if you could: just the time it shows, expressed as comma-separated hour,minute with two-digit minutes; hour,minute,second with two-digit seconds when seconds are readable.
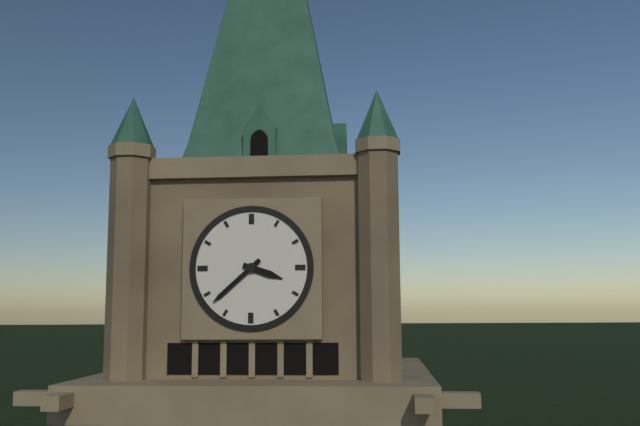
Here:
3,38
